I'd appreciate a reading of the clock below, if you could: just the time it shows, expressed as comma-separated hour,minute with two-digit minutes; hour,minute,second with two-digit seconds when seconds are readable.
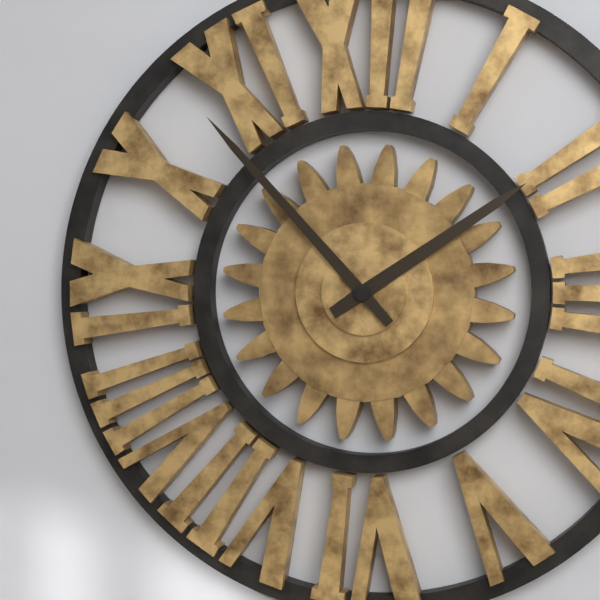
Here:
1,53
